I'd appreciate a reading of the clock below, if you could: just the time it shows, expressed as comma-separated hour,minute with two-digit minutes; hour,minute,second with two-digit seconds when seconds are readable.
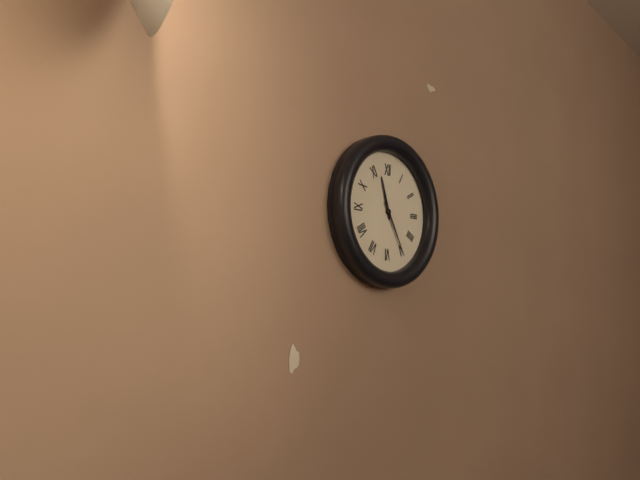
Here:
11,25
